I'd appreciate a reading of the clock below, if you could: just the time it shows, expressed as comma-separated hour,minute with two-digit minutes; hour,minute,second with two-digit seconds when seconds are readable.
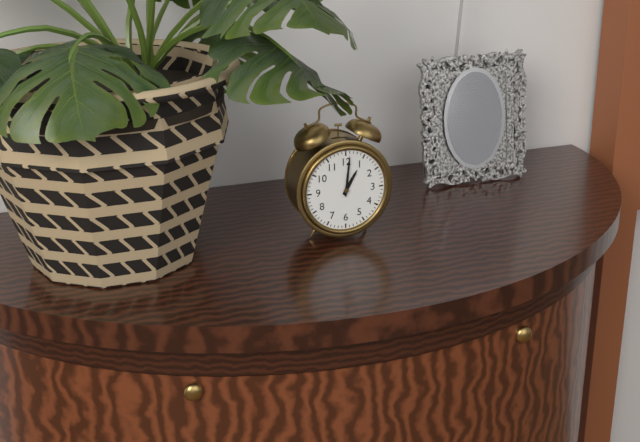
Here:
1,01
